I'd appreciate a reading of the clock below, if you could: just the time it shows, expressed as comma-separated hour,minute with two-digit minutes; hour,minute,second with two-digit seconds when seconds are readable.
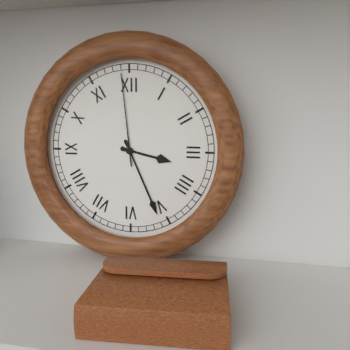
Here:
3,26,59
